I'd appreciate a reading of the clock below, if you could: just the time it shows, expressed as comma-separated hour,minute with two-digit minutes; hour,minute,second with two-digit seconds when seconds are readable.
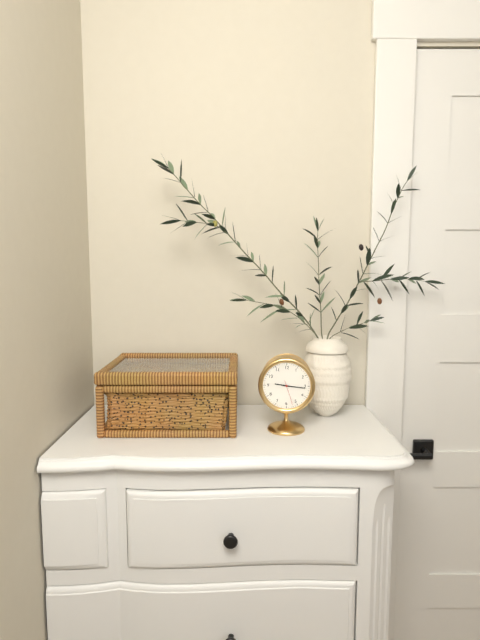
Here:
9,16
